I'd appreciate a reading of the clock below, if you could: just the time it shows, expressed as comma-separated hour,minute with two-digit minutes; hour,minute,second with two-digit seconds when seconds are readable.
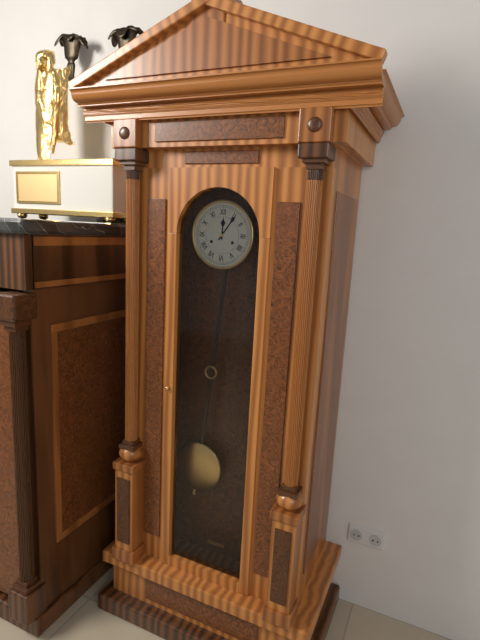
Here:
12,06
